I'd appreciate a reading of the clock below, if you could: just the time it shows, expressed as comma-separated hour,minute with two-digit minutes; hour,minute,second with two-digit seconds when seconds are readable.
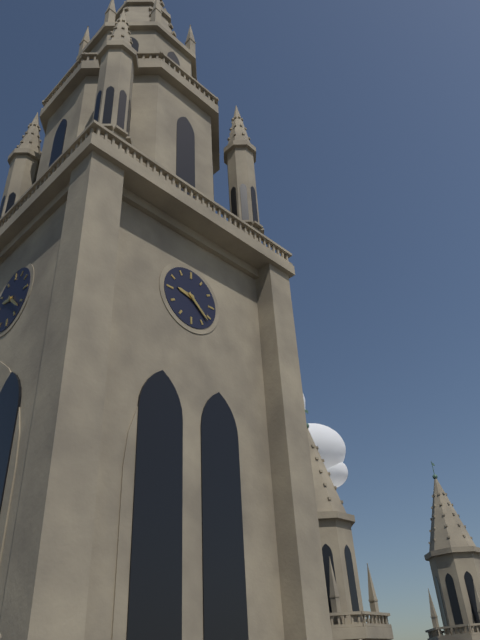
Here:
9,22
